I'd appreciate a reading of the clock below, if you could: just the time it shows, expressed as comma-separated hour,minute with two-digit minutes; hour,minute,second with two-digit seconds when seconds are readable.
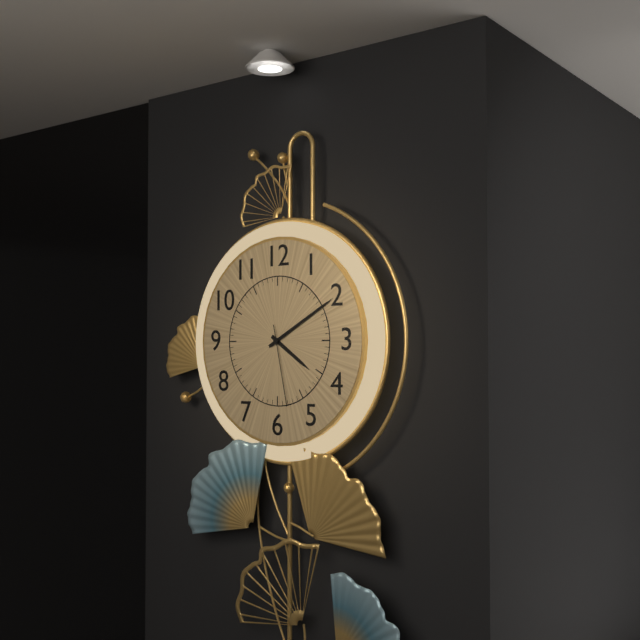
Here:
4,10,28
